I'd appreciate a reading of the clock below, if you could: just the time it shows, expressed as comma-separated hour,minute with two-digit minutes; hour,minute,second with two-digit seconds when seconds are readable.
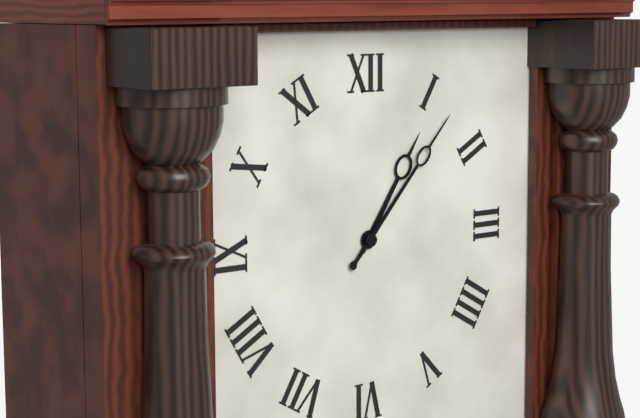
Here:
1,07
